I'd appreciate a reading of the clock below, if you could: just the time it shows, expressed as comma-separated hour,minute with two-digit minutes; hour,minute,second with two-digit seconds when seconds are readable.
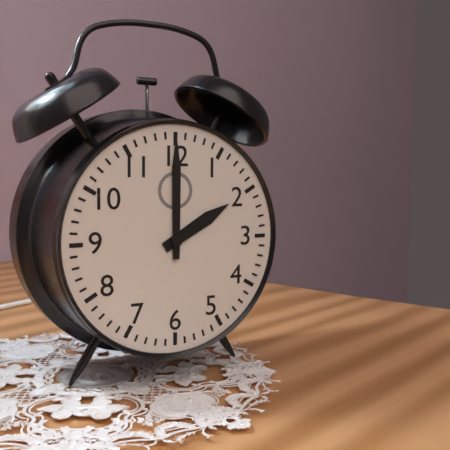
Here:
2,00
